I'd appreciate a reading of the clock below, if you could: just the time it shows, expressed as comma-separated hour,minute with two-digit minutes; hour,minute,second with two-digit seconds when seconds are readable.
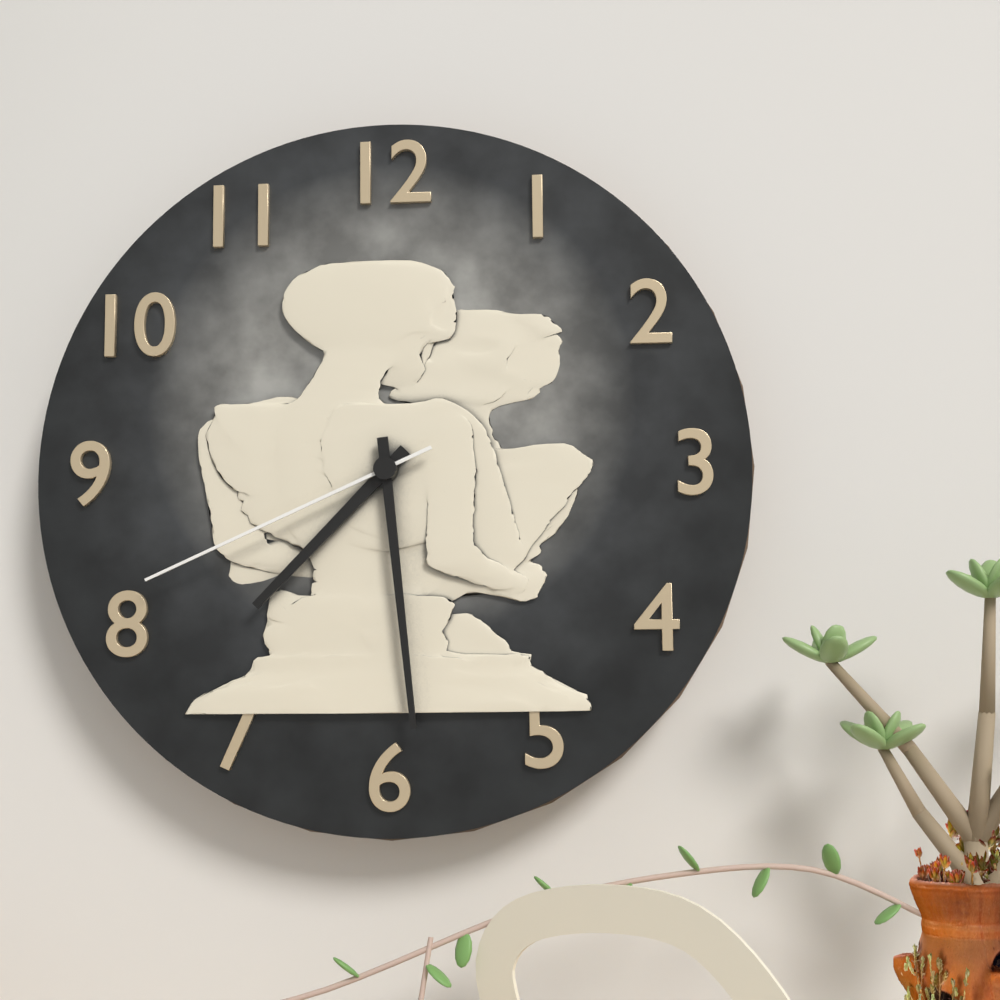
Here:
7,29,41
